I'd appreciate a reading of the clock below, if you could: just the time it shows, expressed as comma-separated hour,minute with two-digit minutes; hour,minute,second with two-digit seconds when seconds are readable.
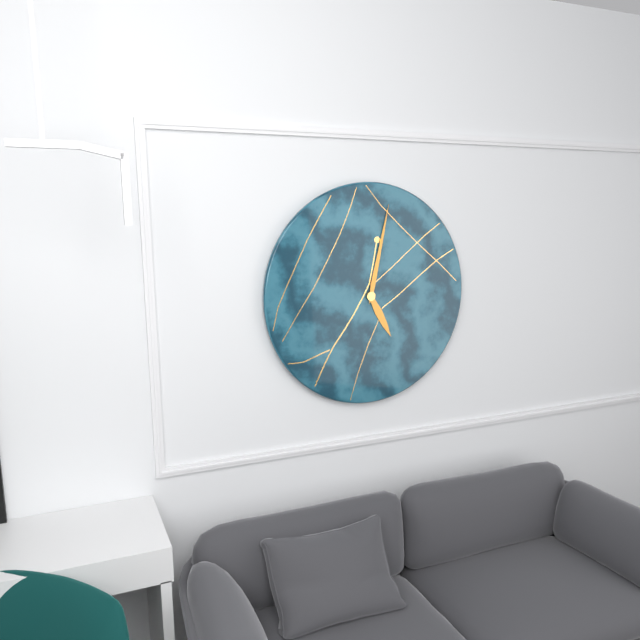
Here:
5,02
